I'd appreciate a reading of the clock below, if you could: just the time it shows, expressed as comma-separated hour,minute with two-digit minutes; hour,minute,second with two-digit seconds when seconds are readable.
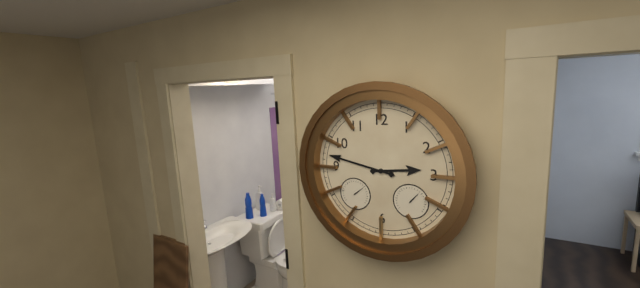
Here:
2,47
